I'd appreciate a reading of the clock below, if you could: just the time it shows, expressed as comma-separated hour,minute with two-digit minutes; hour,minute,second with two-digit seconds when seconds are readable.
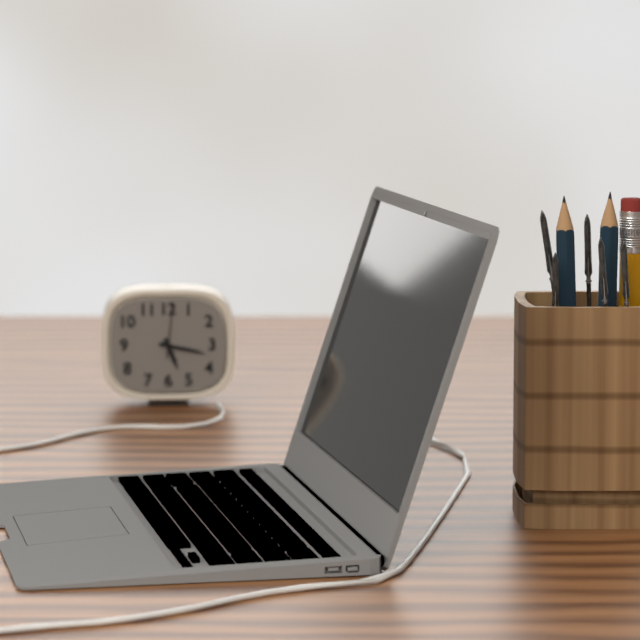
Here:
5,17
